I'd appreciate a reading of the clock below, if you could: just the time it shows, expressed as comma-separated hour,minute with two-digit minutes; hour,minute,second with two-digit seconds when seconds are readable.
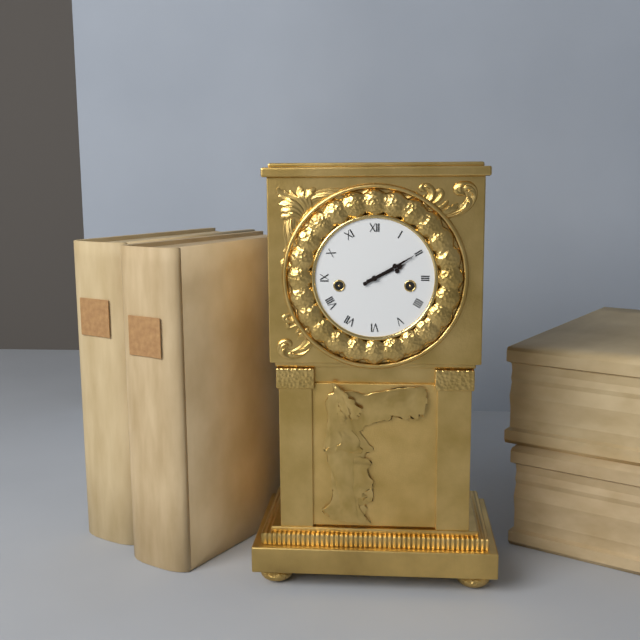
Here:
2,10
